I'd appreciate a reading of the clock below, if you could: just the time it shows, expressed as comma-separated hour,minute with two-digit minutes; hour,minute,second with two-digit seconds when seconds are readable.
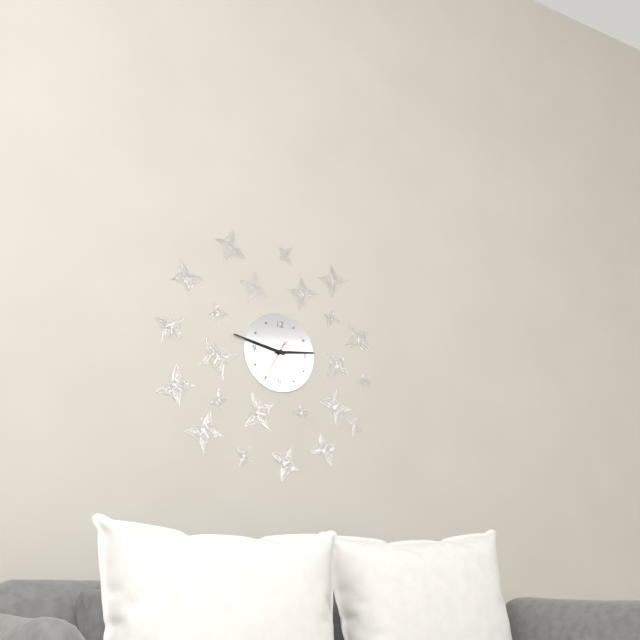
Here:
2,47
